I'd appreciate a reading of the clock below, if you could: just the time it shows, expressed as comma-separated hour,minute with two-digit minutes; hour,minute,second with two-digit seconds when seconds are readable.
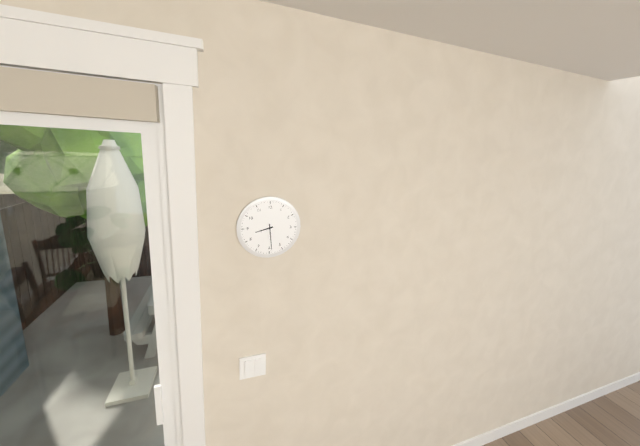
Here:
8,29
